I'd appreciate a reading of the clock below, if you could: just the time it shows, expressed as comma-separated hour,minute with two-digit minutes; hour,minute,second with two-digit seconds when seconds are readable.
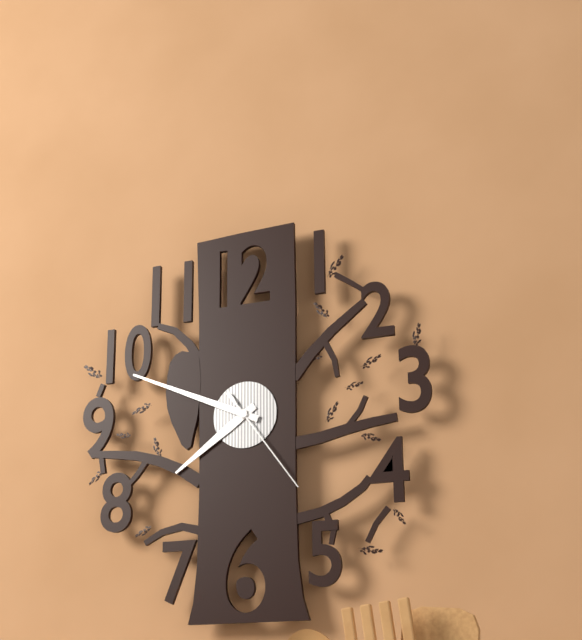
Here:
7,49,24
